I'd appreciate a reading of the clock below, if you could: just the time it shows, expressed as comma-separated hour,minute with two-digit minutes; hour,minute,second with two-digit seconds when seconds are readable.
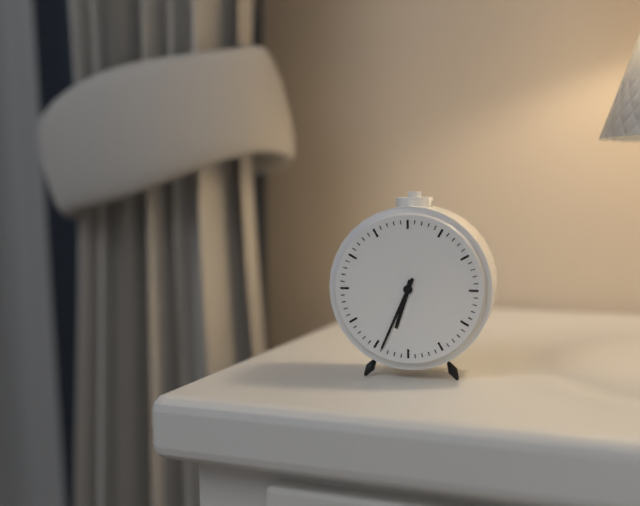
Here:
6,34
